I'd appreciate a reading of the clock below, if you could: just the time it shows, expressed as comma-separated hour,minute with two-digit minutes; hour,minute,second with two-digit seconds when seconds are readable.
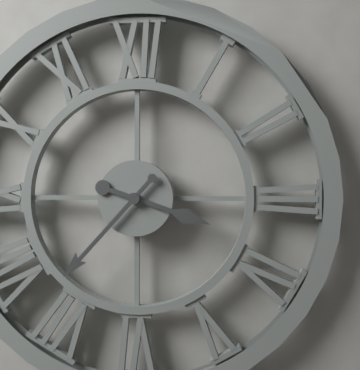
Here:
3,37
